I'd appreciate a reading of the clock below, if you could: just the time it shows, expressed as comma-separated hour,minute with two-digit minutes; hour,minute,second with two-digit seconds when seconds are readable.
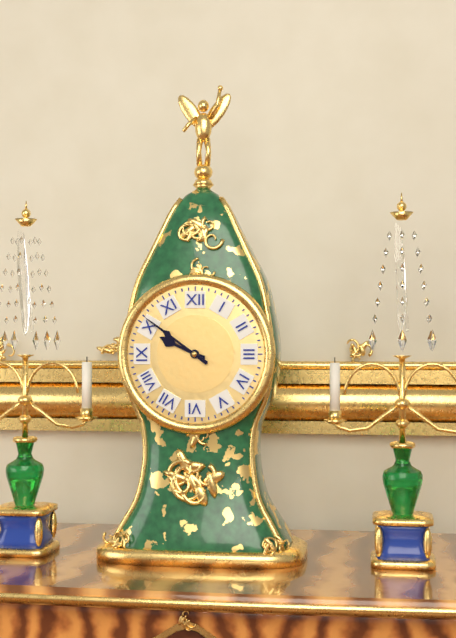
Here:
9,51
